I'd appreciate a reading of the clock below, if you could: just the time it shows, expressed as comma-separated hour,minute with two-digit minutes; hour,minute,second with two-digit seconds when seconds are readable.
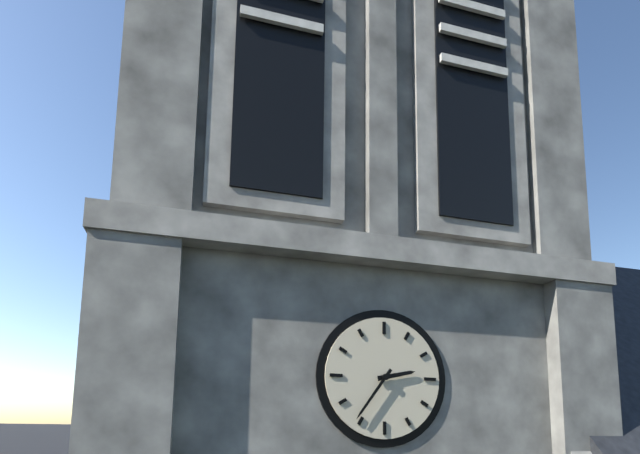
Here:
2,36
